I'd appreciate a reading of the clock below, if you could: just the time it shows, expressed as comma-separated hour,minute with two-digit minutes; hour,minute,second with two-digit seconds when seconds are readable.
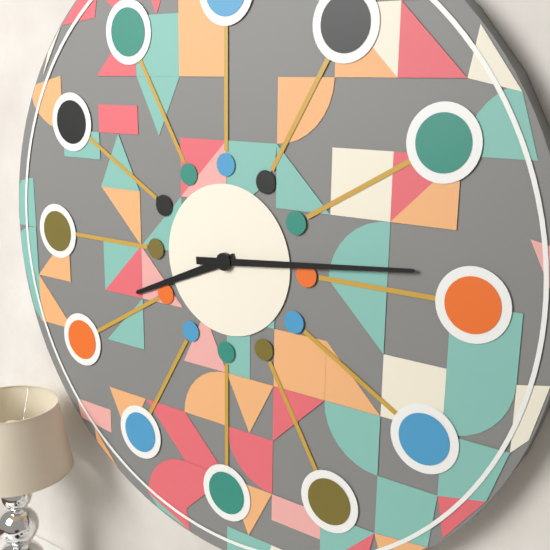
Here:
8,14
